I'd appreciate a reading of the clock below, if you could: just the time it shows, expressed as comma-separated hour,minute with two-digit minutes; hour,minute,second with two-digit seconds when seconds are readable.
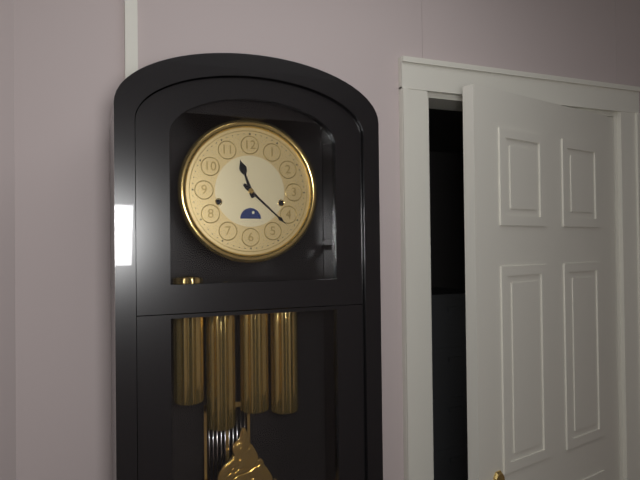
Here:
11,22
